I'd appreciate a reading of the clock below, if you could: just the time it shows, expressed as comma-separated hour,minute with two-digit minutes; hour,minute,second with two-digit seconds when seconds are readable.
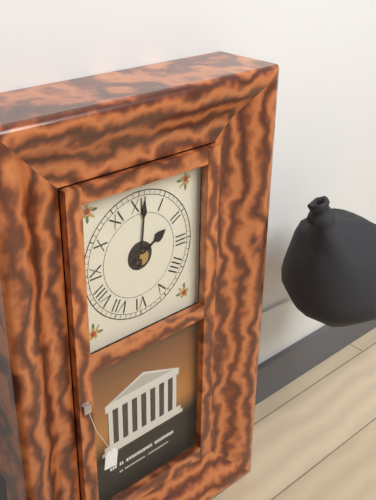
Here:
2,01
